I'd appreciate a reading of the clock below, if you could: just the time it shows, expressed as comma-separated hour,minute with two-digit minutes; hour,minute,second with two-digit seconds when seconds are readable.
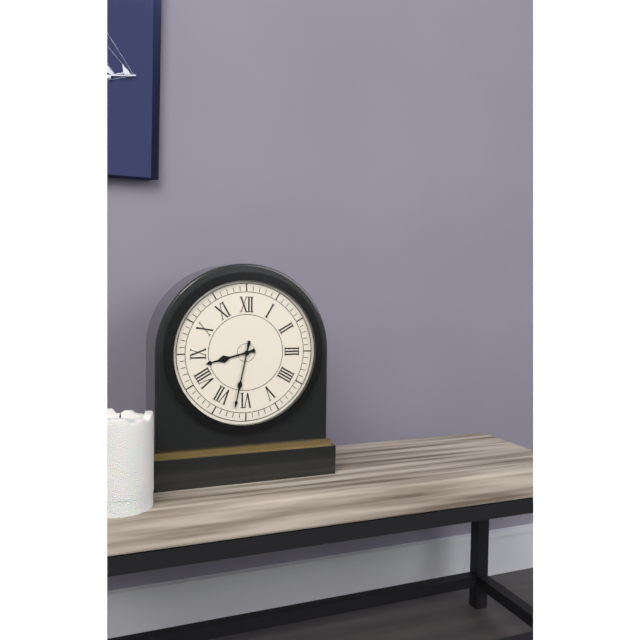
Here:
8,32
